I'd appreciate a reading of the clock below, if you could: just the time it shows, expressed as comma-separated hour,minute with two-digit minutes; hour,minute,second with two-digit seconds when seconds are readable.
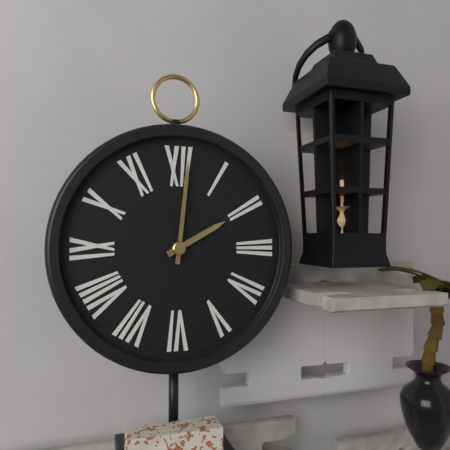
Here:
2,01
